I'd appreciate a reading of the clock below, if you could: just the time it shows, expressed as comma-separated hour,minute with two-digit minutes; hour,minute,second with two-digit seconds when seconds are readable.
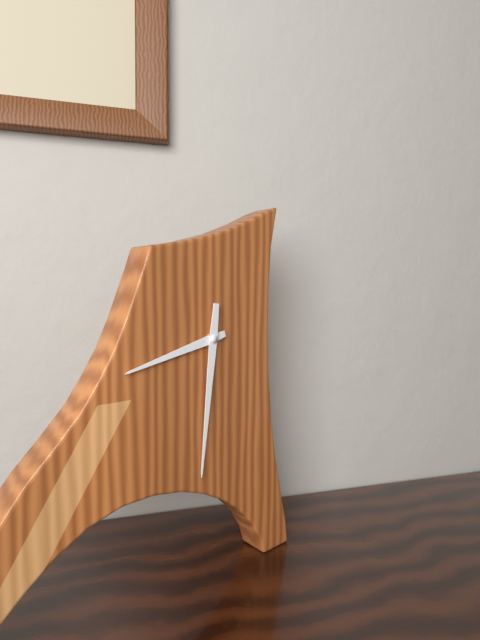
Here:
8,31
